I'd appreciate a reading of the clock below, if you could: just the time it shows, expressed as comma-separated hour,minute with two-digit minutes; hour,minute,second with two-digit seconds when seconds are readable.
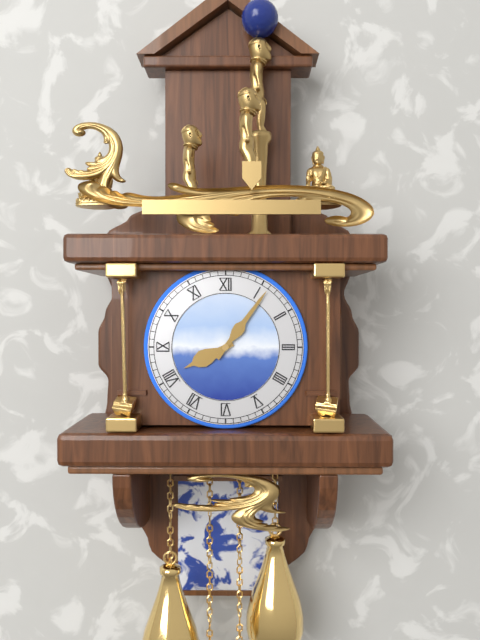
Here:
8,06
